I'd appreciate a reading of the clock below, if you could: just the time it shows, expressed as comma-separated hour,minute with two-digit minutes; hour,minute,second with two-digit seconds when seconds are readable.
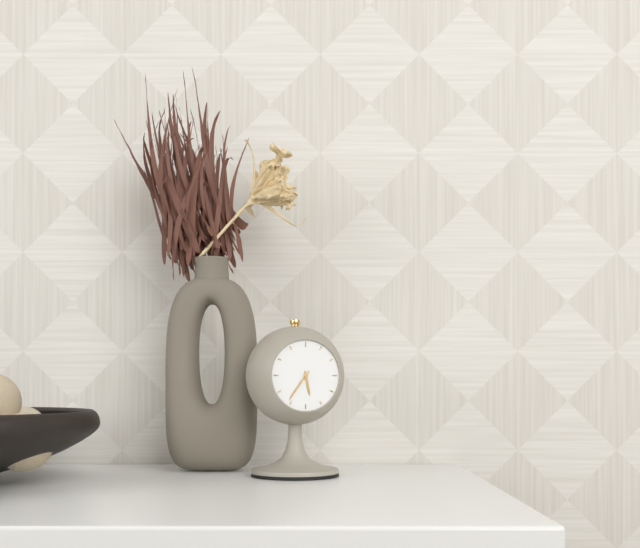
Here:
5,36
